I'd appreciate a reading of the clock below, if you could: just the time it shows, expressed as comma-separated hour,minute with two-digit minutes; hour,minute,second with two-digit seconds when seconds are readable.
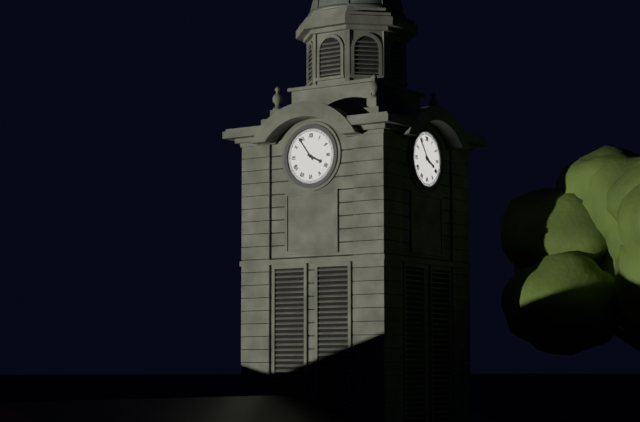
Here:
3,54
